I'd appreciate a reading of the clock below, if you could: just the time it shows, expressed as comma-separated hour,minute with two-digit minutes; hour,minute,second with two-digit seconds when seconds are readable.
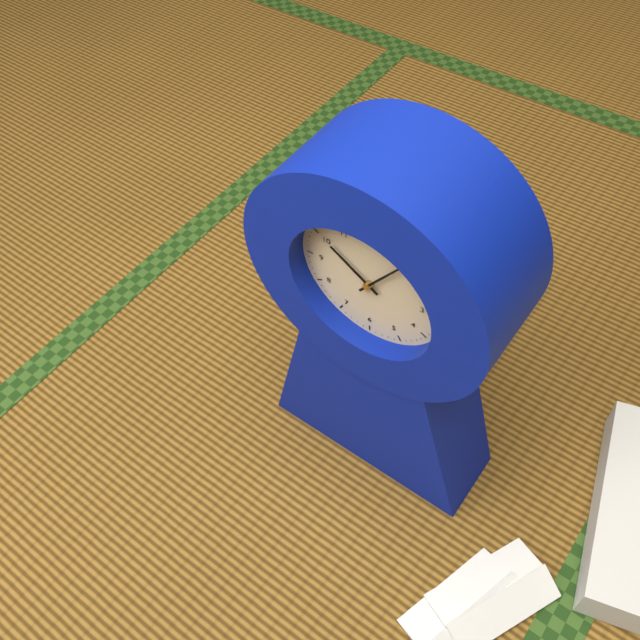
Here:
10,06
